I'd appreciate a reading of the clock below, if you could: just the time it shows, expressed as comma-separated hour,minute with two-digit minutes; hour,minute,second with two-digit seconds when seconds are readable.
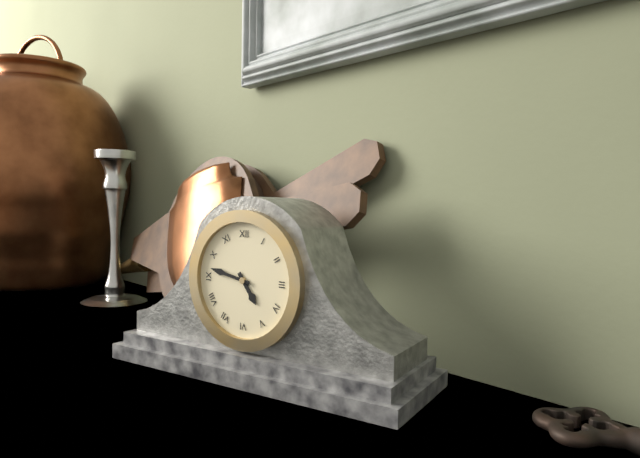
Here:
4,47
